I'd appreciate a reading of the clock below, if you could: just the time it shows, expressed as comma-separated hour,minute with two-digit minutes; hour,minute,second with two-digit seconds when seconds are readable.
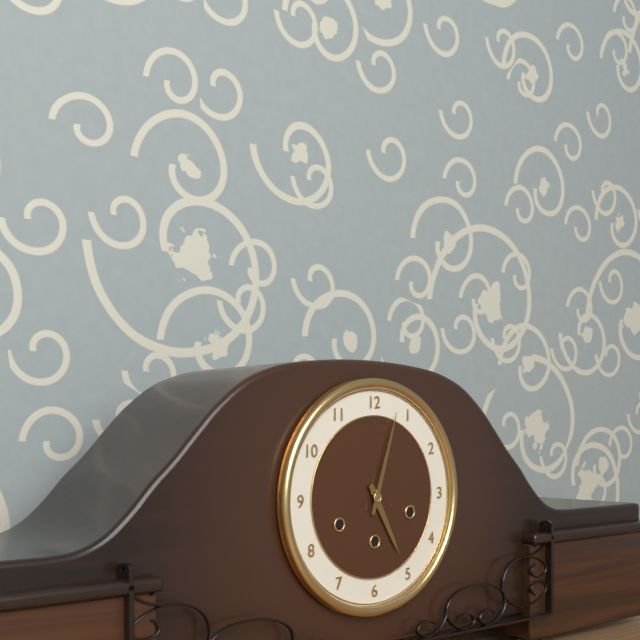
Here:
5,03
